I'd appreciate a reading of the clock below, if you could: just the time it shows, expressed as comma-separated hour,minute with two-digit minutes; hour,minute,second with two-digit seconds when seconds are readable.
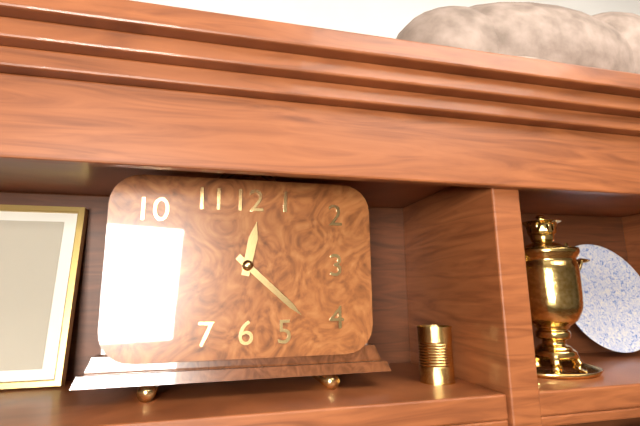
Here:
12,22
